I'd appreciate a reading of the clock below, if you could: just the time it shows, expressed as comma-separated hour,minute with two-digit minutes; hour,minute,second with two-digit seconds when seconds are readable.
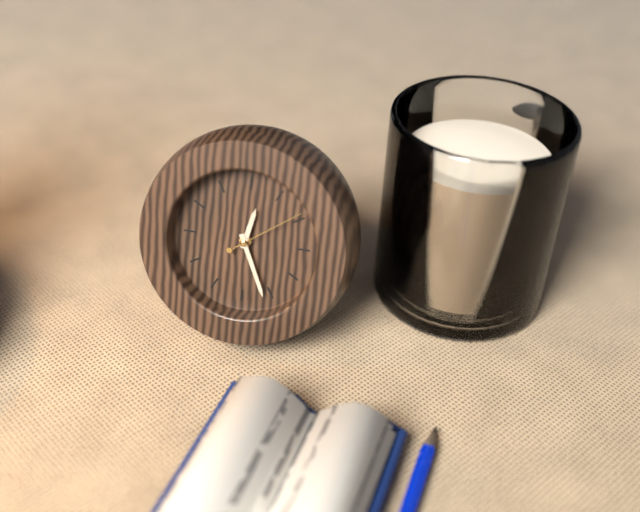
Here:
12,26,09
